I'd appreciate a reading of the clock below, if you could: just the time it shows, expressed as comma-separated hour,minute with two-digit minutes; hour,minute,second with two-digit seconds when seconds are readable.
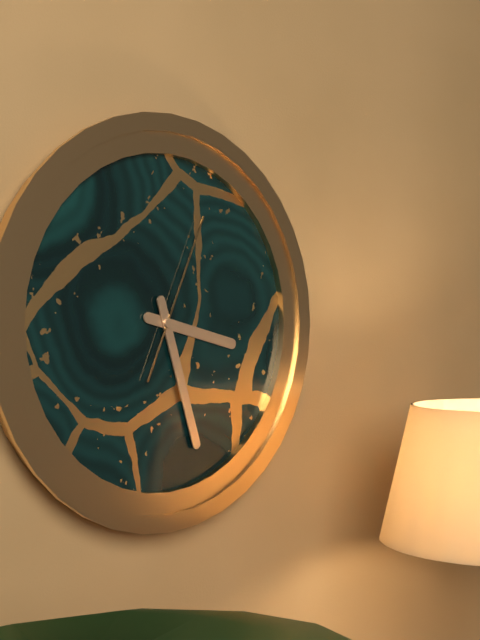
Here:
3,27,04
